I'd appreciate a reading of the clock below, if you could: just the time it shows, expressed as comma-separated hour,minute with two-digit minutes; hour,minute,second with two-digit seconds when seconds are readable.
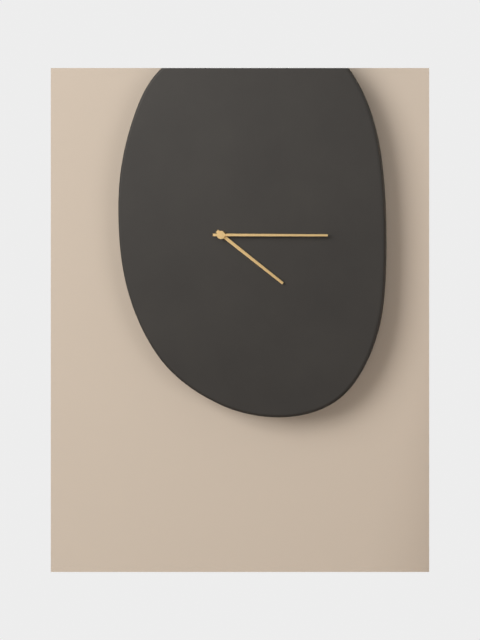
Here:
4,15
